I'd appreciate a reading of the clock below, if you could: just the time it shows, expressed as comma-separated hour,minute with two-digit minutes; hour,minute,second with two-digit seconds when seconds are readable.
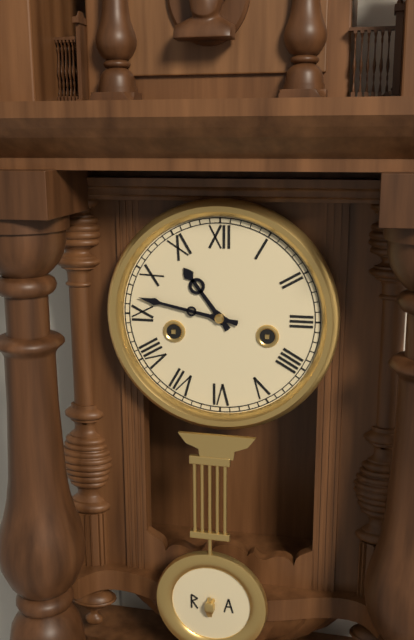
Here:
10,47
